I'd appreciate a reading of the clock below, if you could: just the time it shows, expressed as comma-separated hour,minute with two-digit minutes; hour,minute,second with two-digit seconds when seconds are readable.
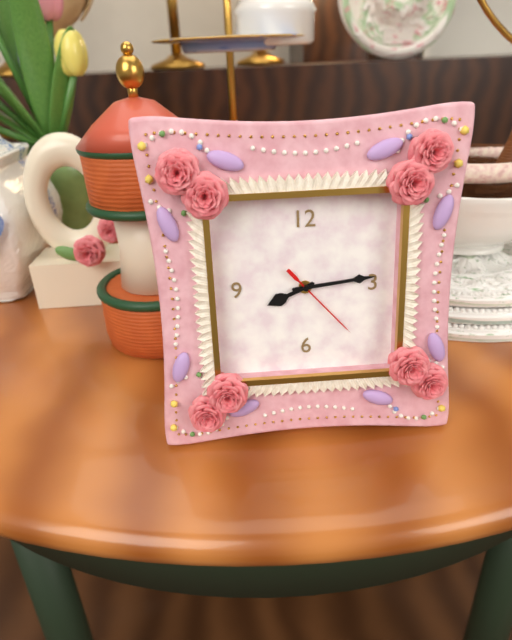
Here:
8,14,23
